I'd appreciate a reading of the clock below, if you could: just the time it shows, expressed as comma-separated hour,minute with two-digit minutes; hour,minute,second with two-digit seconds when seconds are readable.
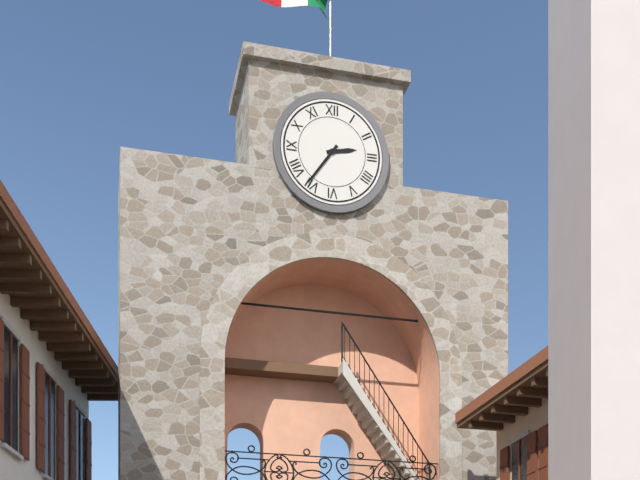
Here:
2,36
